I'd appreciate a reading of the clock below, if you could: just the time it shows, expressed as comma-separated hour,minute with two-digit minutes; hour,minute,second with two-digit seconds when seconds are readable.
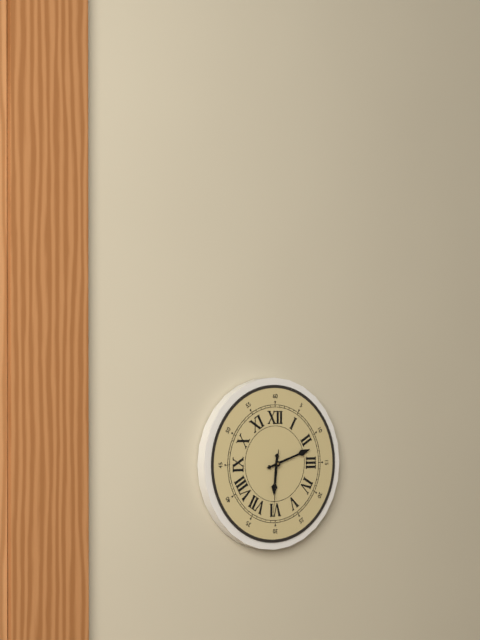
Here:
6,12,31
